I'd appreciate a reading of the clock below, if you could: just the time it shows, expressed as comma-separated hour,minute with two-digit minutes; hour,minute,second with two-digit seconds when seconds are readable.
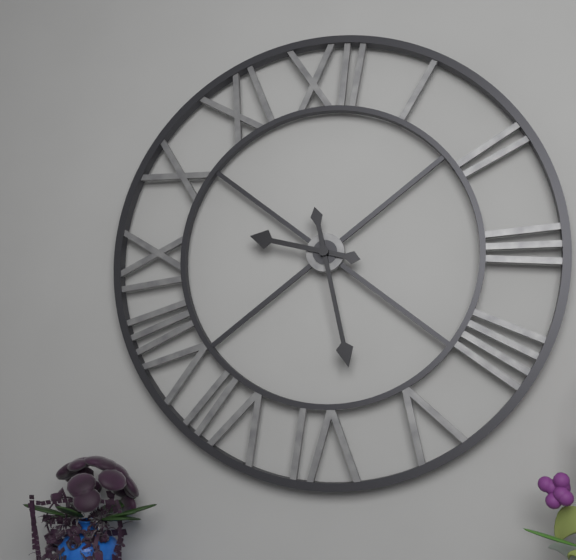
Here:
9,28
